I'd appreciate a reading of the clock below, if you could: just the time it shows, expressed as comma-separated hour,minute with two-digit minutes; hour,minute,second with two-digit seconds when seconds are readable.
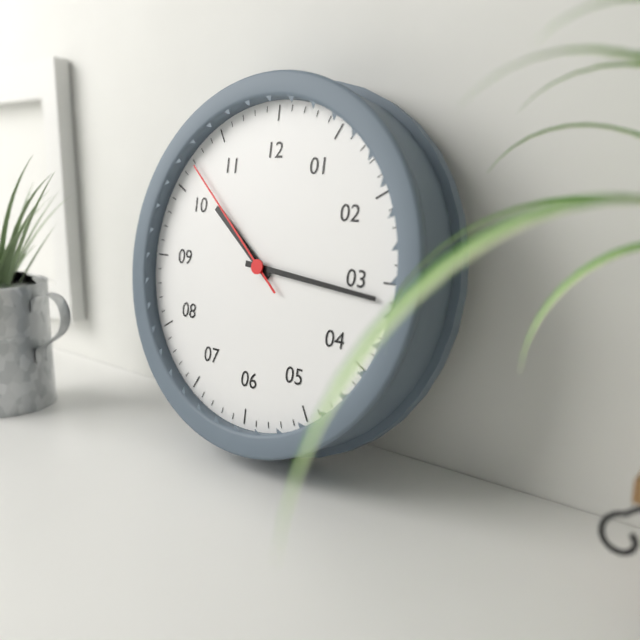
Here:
10,16,52
